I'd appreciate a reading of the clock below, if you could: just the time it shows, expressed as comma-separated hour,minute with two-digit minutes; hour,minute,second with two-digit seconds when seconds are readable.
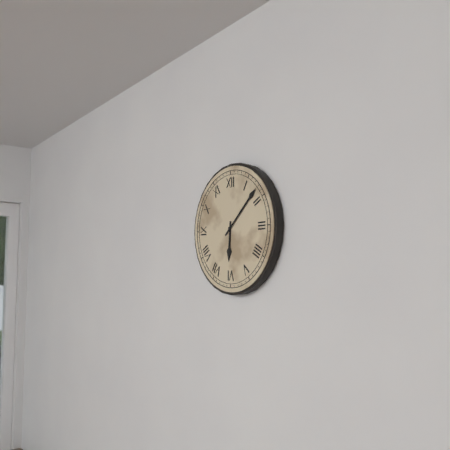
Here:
6,08
